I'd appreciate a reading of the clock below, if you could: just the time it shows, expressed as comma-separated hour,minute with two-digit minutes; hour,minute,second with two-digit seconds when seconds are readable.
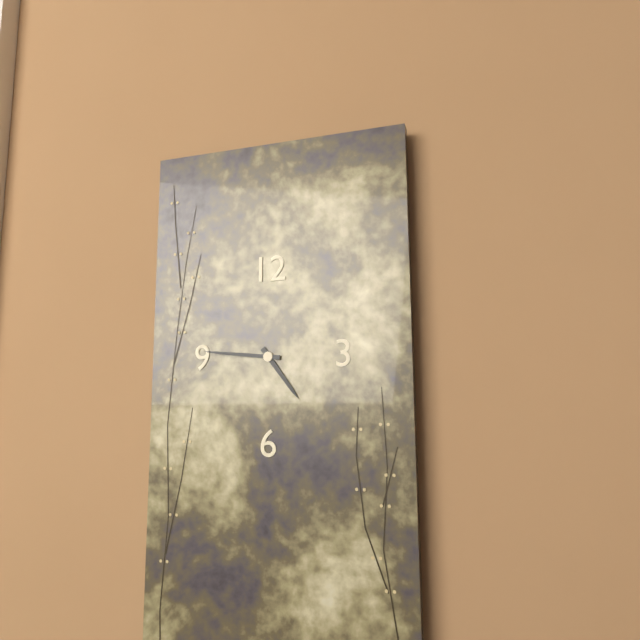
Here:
4,46
